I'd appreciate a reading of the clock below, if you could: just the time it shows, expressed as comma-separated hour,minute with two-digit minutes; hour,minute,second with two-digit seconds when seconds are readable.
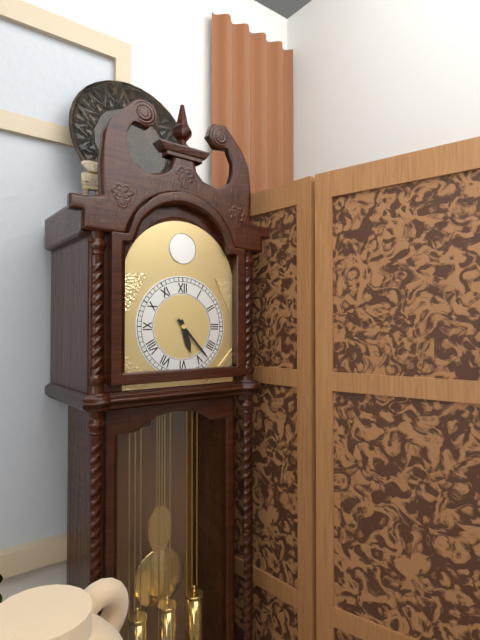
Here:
5,23
